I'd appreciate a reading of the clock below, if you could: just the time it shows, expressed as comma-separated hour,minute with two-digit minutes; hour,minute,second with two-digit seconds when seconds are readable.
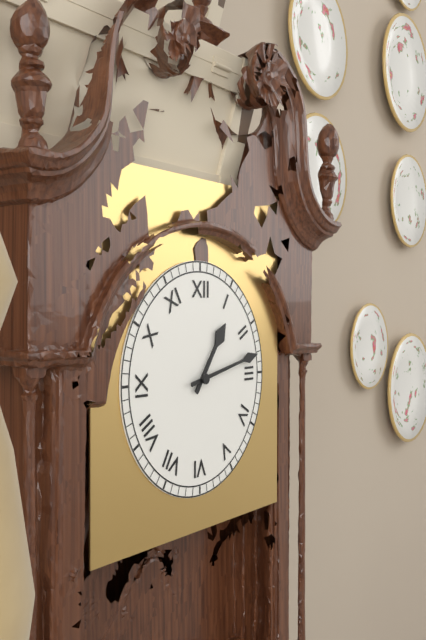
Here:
1,13
